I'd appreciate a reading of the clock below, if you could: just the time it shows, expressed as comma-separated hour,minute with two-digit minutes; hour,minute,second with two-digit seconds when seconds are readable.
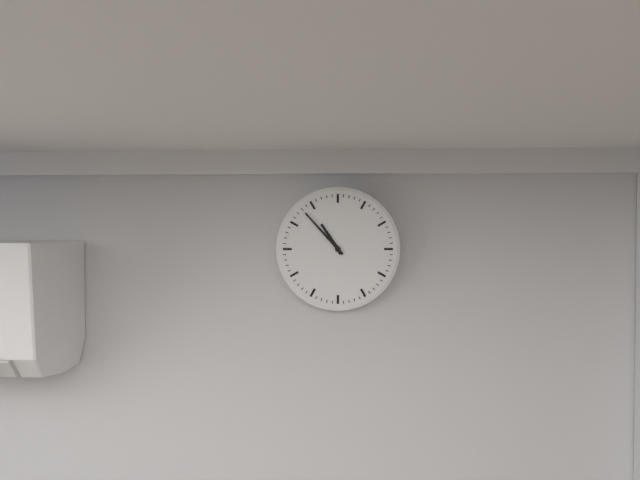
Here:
10,53
